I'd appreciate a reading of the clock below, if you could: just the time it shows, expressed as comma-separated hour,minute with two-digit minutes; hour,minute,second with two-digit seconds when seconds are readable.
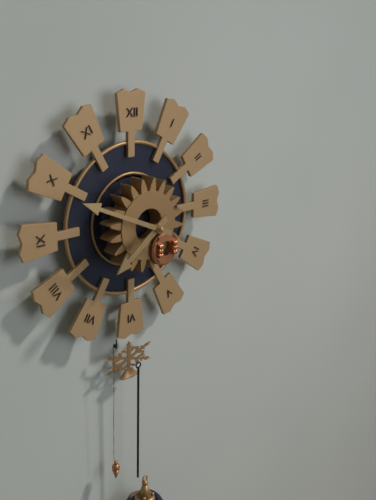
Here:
7,49
